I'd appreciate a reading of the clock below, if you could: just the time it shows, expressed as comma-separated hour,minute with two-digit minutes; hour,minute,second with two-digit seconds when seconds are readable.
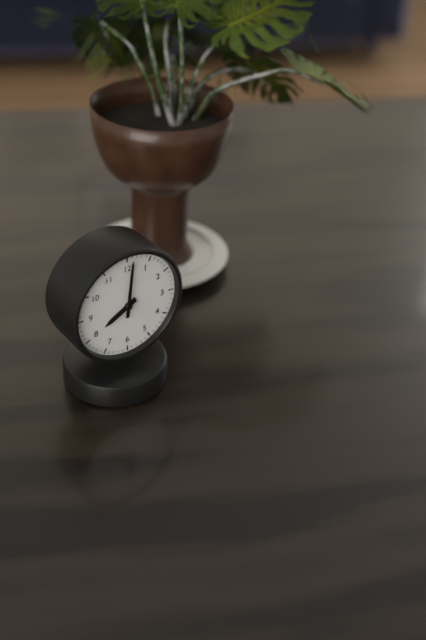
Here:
8,01
